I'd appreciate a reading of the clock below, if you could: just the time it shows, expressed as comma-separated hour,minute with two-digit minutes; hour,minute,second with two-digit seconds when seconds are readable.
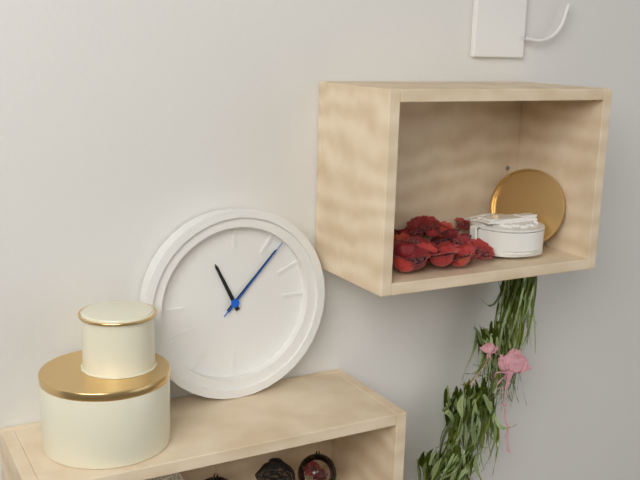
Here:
11,07,07
